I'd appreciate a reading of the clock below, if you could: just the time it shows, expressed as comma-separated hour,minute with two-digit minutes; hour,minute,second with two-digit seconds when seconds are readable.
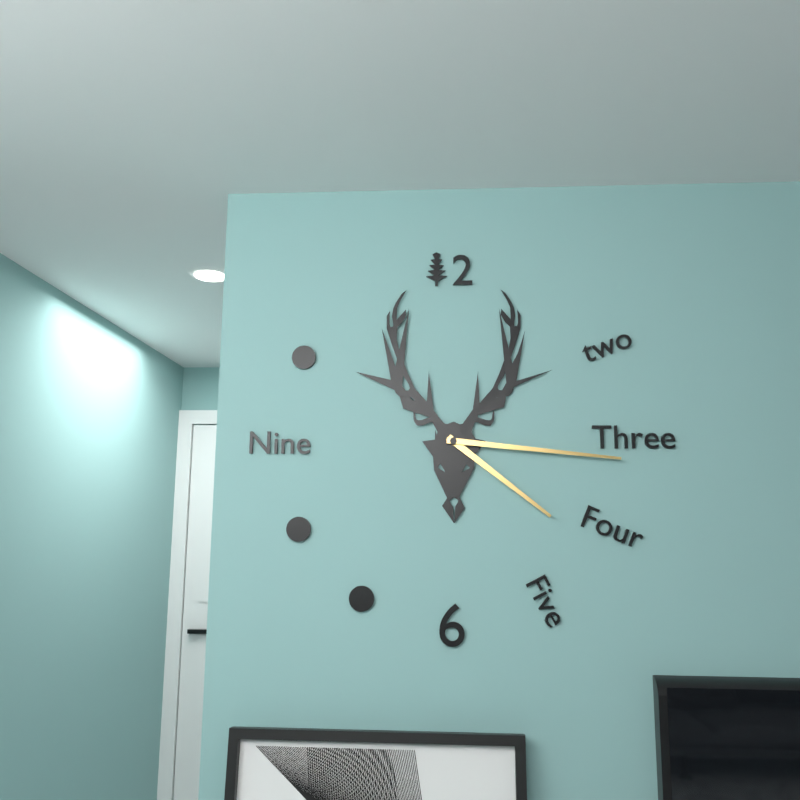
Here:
4,16
